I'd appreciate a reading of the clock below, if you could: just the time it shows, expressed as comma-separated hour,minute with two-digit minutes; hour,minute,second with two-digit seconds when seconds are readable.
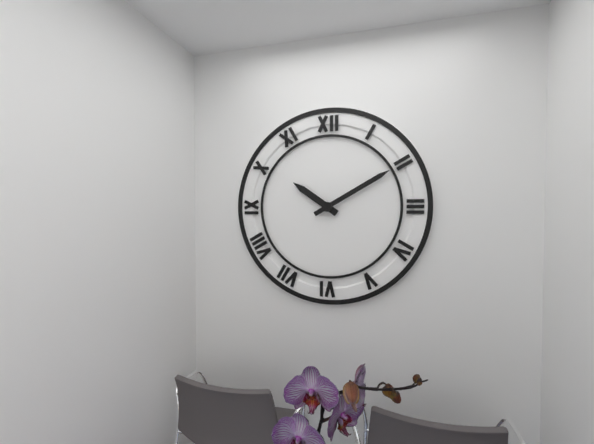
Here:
10,10
